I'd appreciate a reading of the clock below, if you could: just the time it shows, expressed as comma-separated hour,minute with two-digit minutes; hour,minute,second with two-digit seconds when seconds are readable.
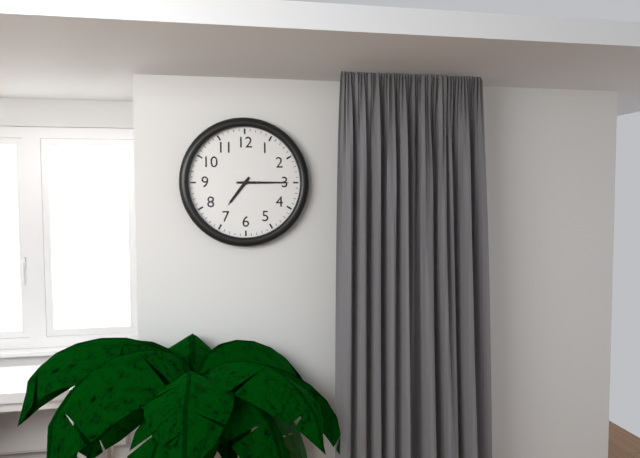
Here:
7,15
